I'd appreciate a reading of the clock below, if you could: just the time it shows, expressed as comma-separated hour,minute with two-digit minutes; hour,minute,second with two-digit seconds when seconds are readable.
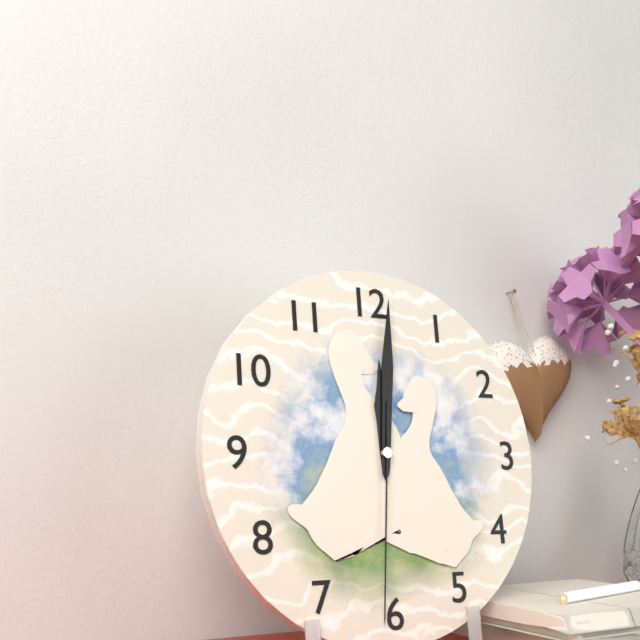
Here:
12,01,31
